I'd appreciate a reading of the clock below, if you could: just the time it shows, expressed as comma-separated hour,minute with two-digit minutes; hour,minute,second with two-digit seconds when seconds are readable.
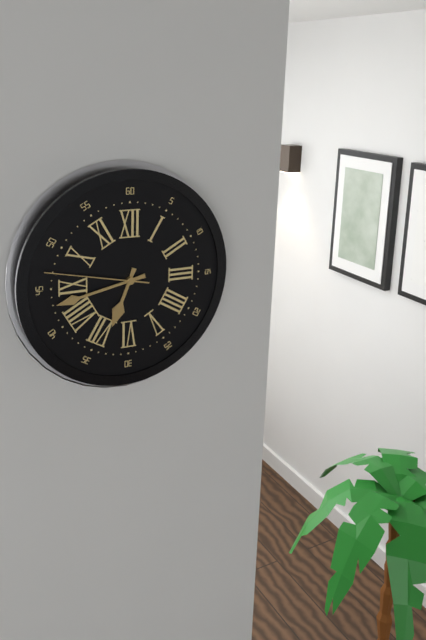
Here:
6,43,47
